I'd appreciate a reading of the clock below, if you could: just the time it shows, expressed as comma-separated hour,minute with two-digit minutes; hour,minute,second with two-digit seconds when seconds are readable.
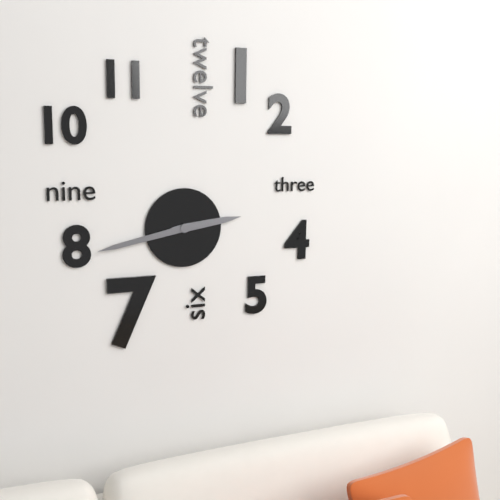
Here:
2,43
